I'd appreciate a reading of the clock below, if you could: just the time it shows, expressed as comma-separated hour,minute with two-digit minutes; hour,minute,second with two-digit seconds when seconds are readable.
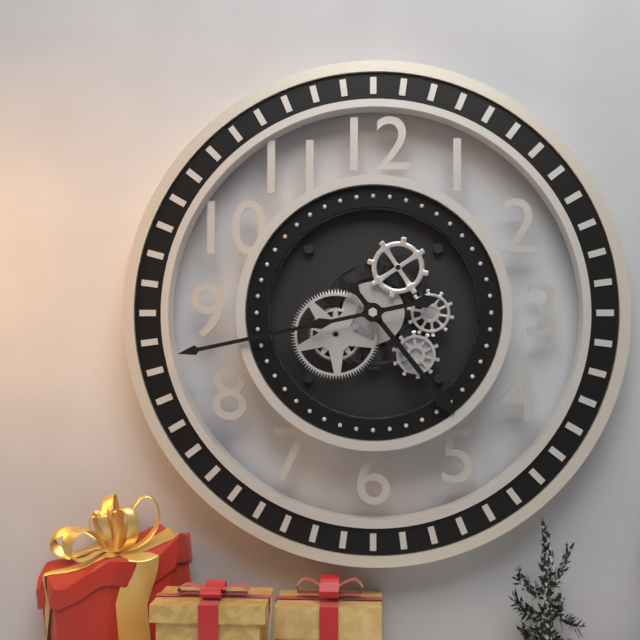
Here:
4,43
